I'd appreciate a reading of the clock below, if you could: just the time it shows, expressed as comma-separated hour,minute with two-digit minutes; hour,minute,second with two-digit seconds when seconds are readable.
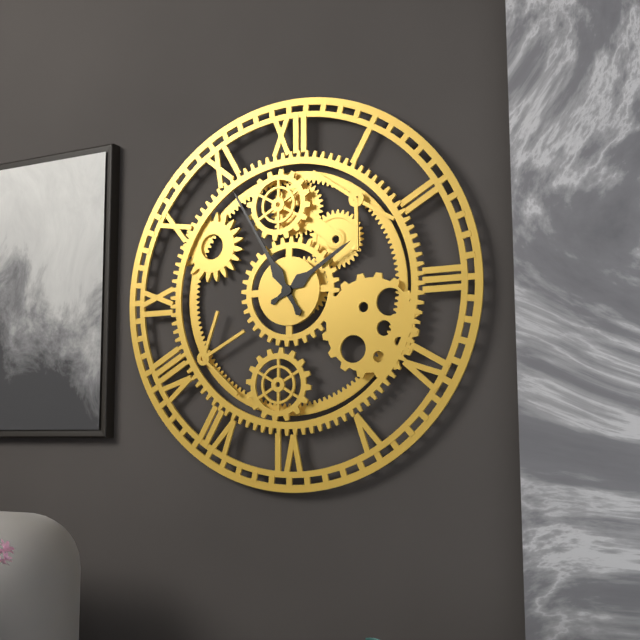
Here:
1,55
